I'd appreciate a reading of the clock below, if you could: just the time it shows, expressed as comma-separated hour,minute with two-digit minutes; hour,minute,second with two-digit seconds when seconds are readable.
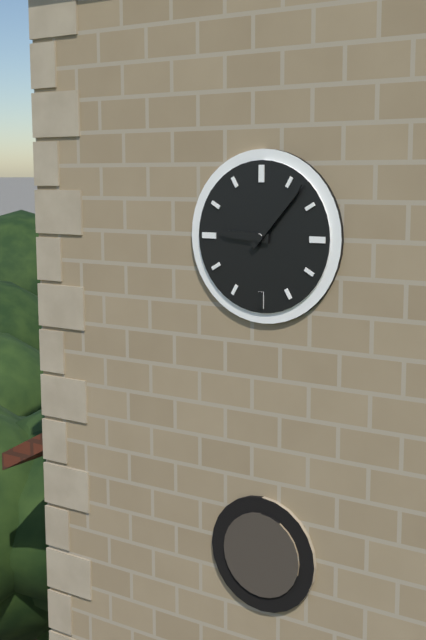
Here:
9,07
